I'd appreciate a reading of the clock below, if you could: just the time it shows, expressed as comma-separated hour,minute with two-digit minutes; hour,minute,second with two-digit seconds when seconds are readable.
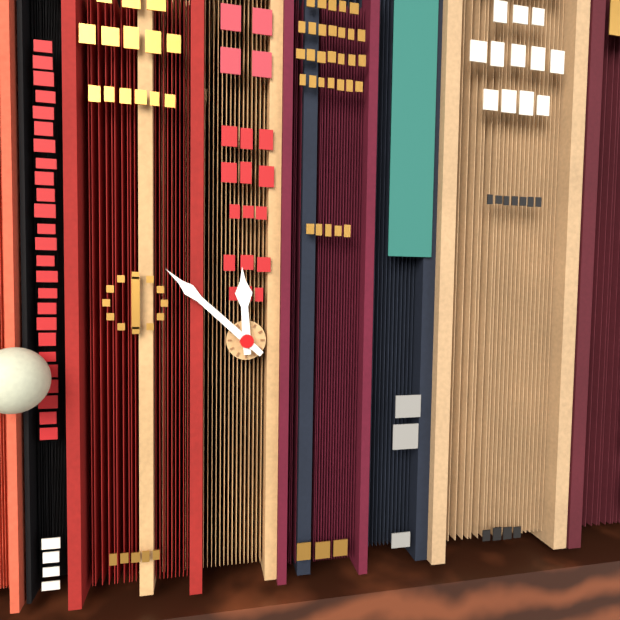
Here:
11,52
